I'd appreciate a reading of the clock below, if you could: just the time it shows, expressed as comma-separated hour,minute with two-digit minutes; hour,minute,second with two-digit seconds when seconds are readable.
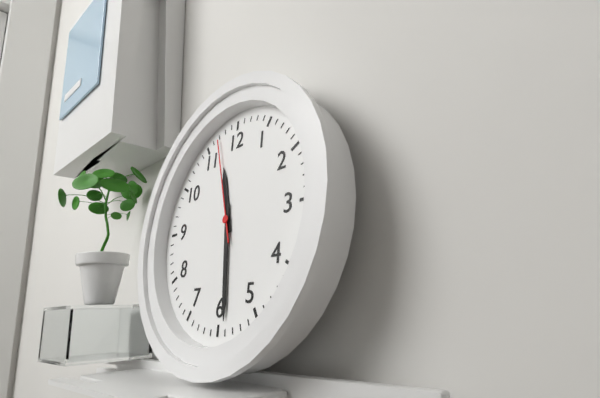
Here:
11,29,57
